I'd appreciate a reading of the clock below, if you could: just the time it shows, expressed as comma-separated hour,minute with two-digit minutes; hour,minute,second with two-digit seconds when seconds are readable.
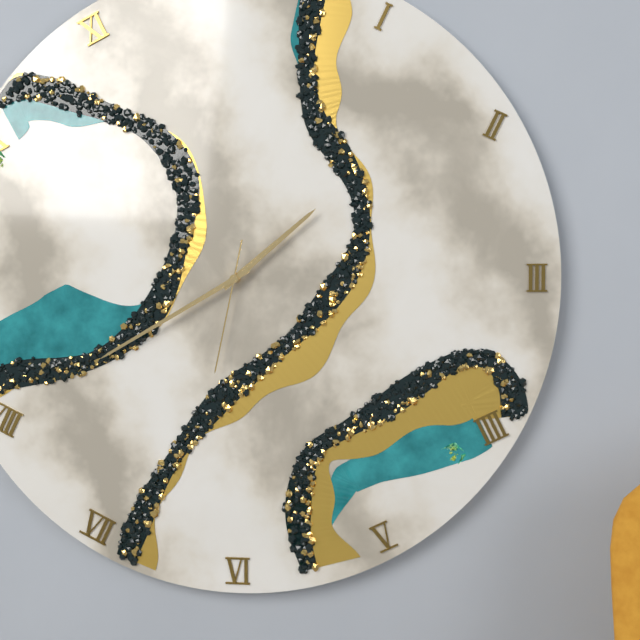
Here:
1,40,32
